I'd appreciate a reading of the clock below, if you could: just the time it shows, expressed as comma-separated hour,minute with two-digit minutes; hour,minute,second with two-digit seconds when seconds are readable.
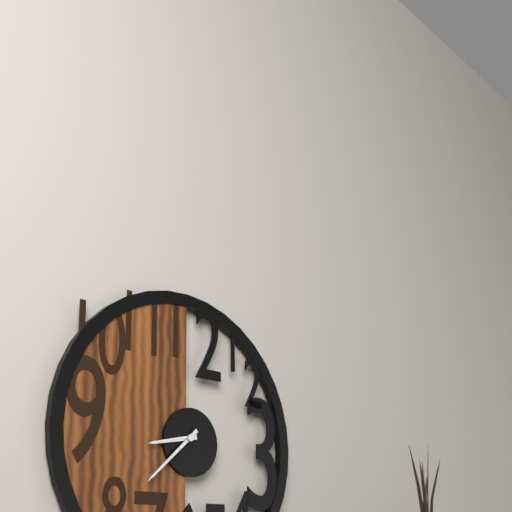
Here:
8,38
